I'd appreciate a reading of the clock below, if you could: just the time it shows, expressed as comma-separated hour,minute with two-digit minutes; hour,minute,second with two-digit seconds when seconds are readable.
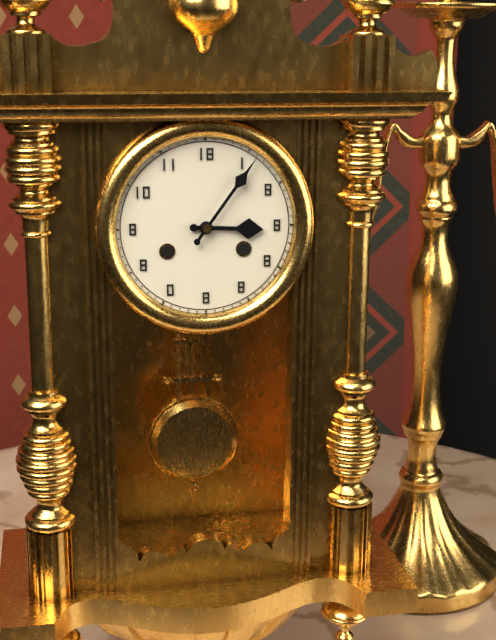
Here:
3,06
